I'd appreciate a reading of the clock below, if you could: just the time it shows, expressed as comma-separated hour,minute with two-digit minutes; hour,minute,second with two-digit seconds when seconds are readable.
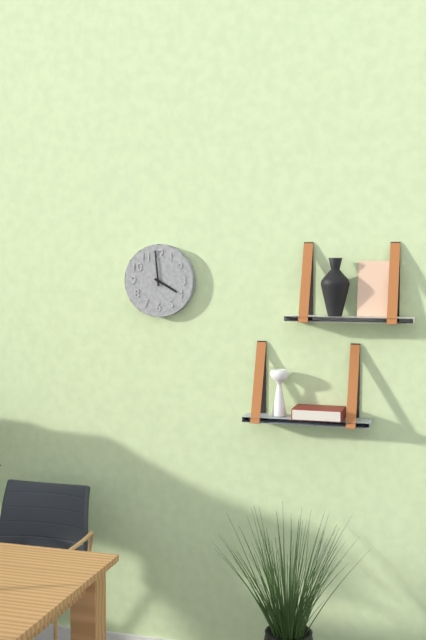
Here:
3,59
